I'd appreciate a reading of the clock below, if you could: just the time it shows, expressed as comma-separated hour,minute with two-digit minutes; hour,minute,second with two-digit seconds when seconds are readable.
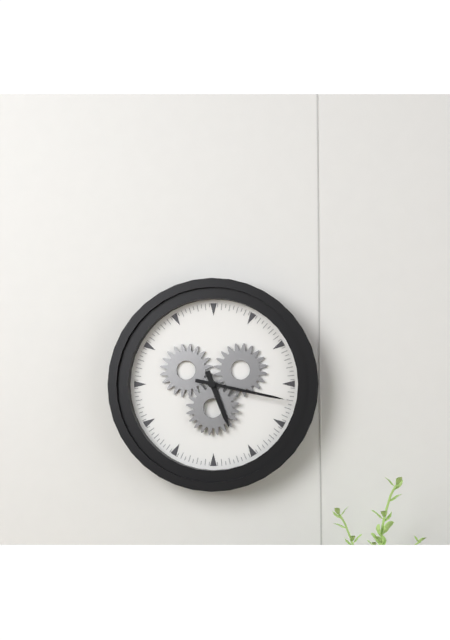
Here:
5,17
